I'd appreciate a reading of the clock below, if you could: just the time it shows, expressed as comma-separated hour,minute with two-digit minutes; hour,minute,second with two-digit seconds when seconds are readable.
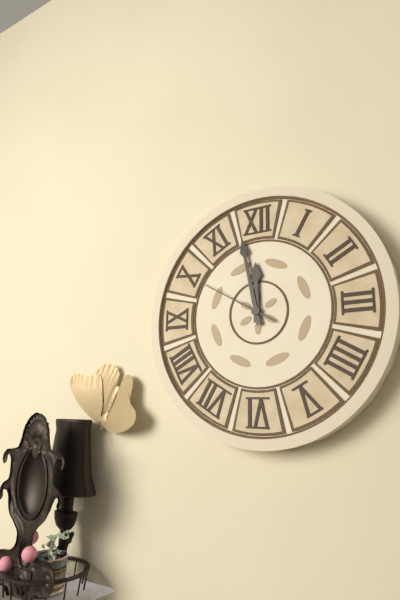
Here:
11,58,50
